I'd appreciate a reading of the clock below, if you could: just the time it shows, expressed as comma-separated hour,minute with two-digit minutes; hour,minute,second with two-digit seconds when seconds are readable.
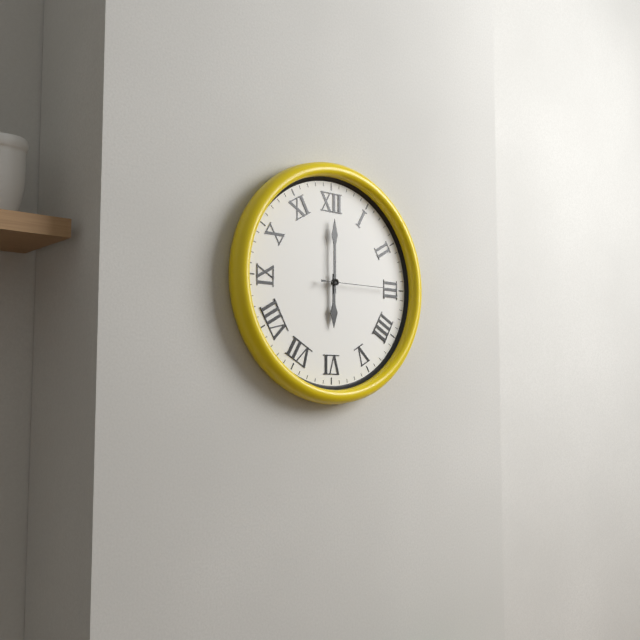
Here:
6,00,15
